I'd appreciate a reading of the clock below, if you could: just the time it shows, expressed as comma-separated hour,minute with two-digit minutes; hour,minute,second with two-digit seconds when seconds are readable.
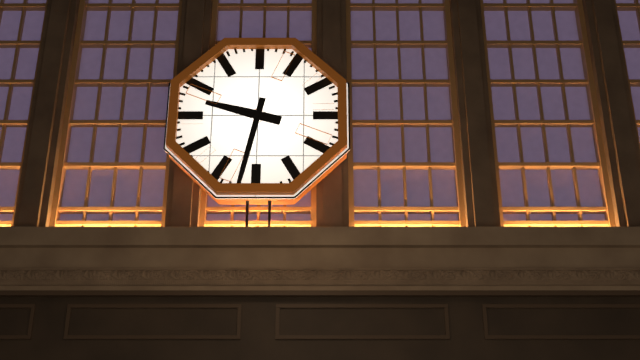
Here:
9,32
